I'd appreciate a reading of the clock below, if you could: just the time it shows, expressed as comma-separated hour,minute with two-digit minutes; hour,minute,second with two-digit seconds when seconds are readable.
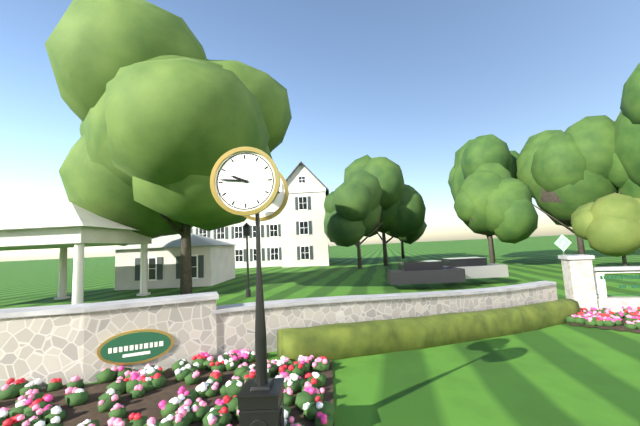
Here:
9,46
